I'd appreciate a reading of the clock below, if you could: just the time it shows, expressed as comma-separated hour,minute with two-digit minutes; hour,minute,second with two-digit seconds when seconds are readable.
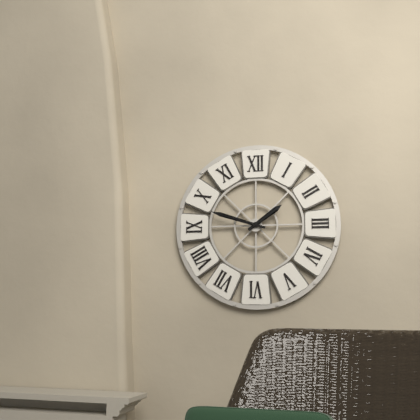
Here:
1,48
